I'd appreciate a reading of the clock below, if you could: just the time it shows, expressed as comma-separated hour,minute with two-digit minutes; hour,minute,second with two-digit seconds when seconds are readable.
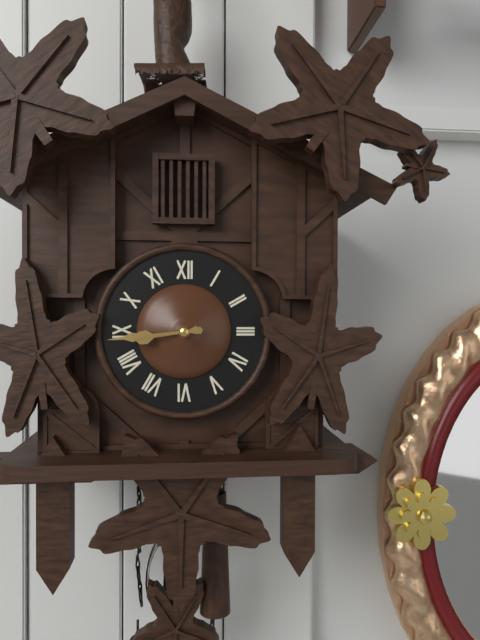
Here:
8,44
